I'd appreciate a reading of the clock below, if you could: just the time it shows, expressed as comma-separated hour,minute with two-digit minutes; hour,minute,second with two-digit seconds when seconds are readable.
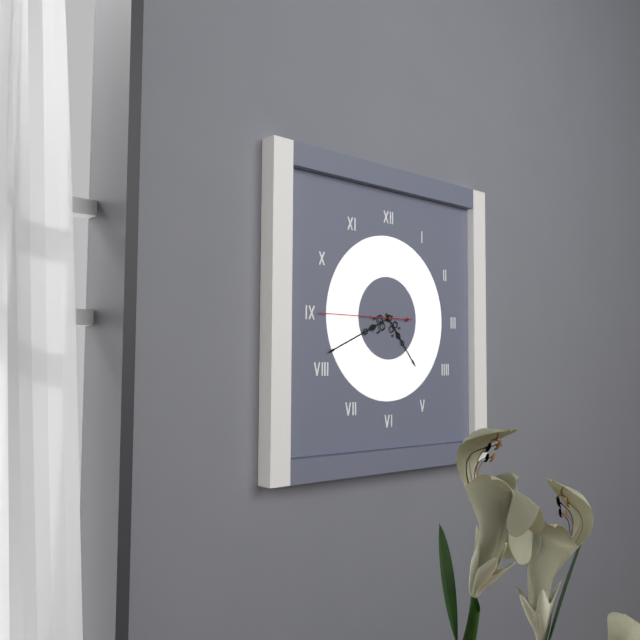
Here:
4,41,45
